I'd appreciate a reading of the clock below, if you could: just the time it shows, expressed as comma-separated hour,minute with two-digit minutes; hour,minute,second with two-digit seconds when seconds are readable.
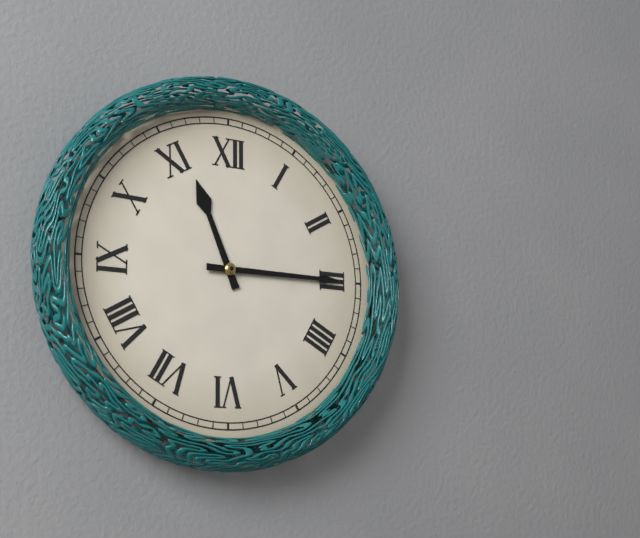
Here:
11,15
